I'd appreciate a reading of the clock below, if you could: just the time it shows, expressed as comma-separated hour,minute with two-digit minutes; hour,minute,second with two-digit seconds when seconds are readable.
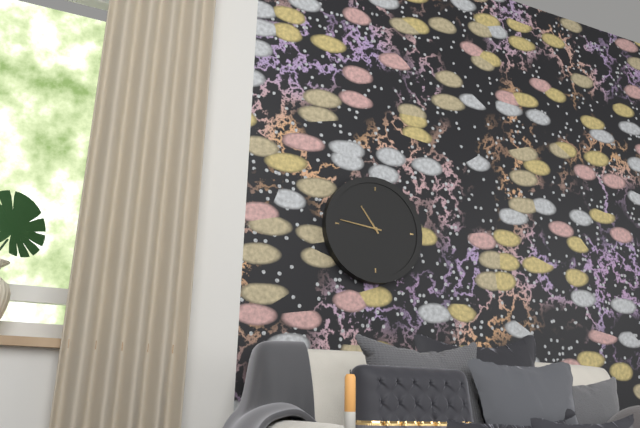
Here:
10,46
